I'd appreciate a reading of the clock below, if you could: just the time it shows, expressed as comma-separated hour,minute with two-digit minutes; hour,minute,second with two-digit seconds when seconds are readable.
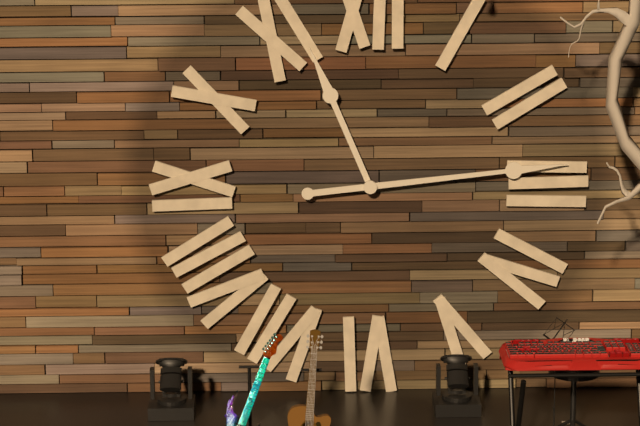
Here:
11,14
